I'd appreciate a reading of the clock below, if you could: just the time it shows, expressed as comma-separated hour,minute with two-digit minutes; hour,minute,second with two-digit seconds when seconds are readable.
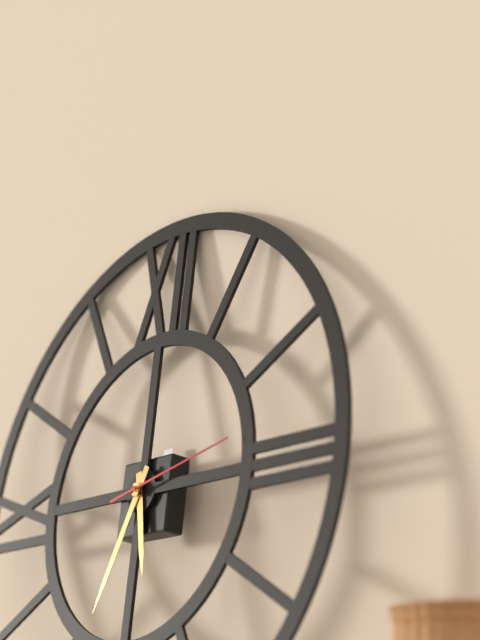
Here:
5,34,13
